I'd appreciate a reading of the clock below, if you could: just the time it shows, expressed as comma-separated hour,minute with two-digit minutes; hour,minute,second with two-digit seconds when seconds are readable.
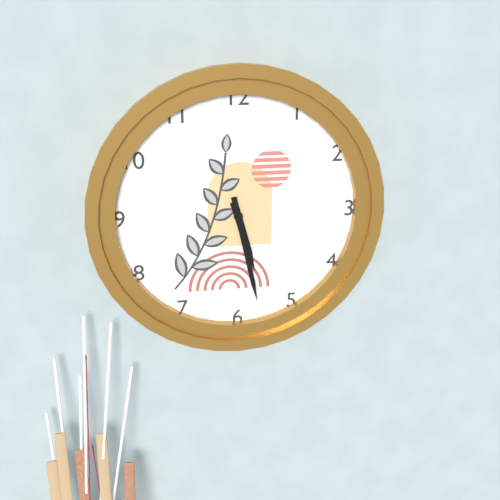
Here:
5,28
